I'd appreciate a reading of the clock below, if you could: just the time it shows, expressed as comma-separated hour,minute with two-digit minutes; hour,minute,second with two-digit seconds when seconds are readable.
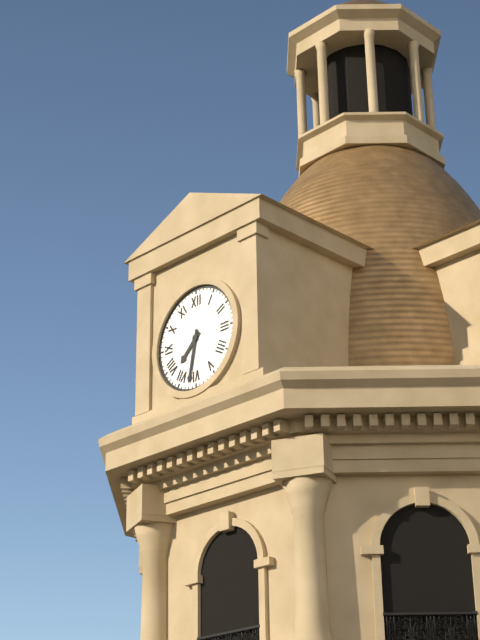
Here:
7,32
